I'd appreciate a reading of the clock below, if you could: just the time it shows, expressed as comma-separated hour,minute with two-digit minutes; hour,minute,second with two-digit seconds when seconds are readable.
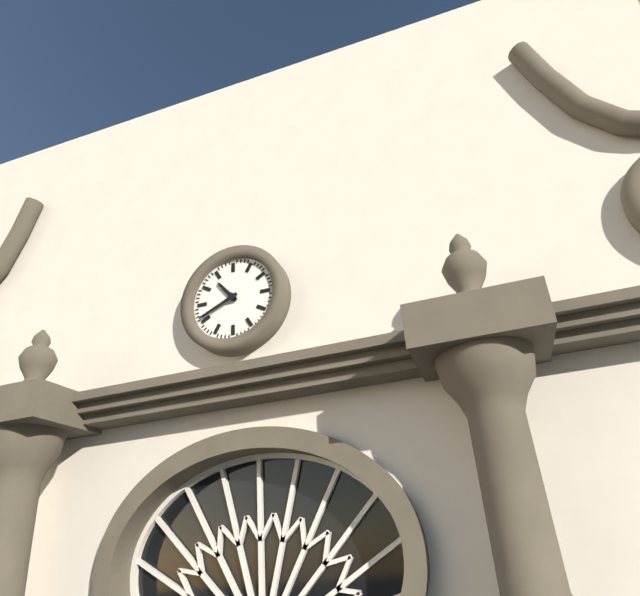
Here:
10,41
